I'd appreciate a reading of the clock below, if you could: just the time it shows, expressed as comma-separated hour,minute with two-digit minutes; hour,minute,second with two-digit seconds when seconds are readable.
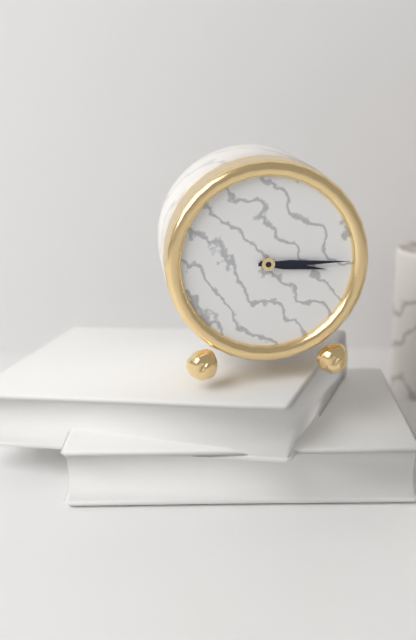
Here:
3,15
